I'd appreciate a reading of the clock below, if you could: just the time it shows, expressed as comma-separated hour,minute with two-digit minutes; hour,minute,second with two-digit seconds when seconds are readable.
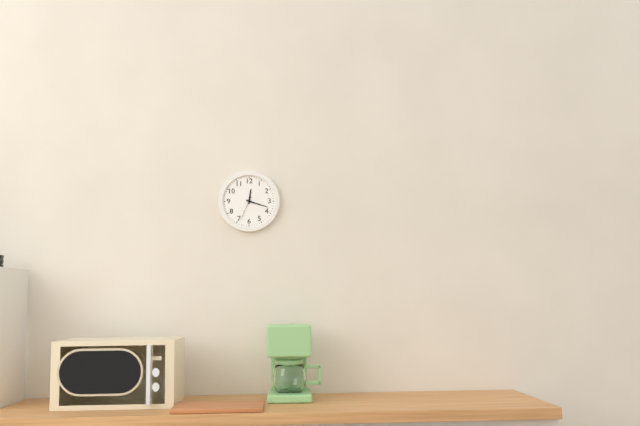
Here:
12,18
